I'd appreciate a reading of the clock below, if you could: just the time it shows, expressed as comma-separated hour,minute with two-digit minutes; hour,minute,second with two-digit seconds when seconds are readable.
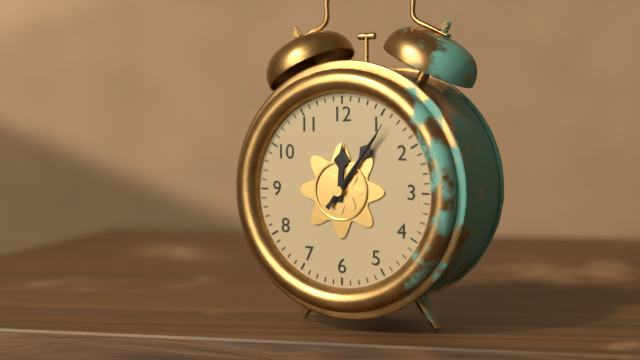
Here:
12,06,06
